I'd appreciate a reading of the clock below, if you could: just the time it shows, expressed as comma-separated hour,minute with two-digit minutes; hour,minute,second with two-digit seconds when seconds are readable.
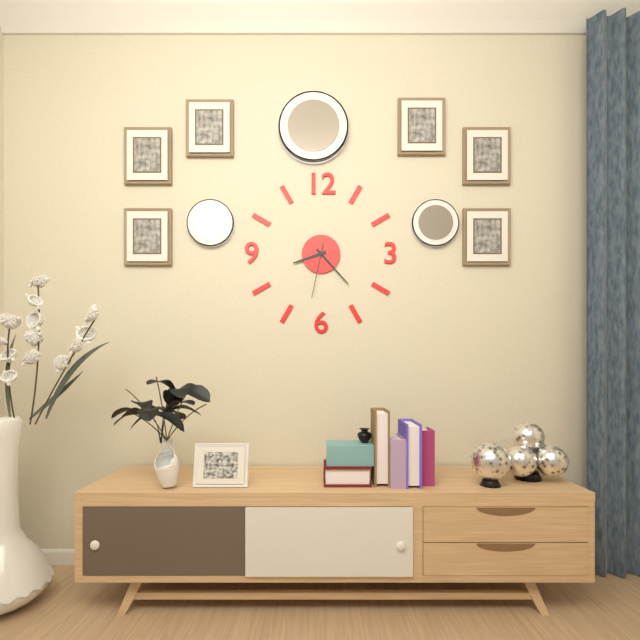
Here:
8,23,32
